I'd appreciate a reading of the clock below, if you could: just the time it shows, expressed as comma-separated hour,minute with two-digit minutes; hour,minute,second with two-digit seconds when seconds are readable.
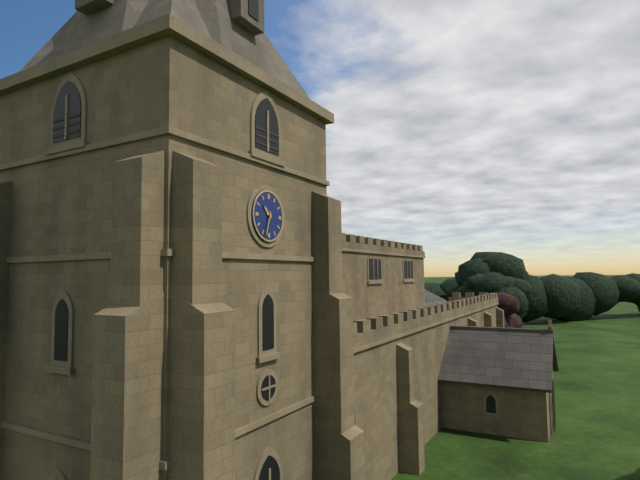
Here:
10,33
